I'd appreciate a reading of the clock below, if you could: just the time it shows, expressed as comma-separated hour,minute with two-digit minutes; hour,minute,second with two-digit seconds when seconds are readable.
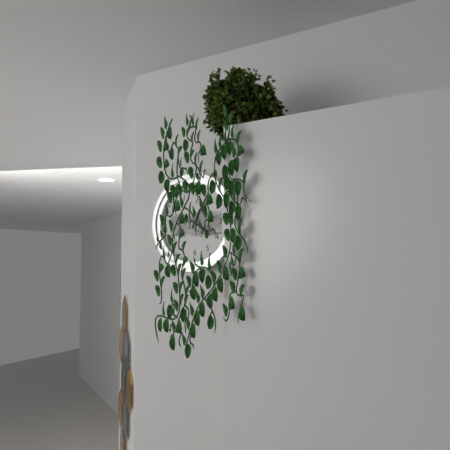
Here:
4,05
